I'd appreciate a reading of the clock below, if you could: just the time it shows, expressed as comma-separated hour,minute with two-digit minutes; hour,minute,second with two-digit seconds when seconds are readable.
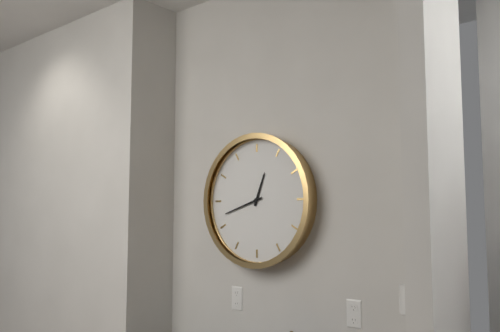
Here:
12,42
